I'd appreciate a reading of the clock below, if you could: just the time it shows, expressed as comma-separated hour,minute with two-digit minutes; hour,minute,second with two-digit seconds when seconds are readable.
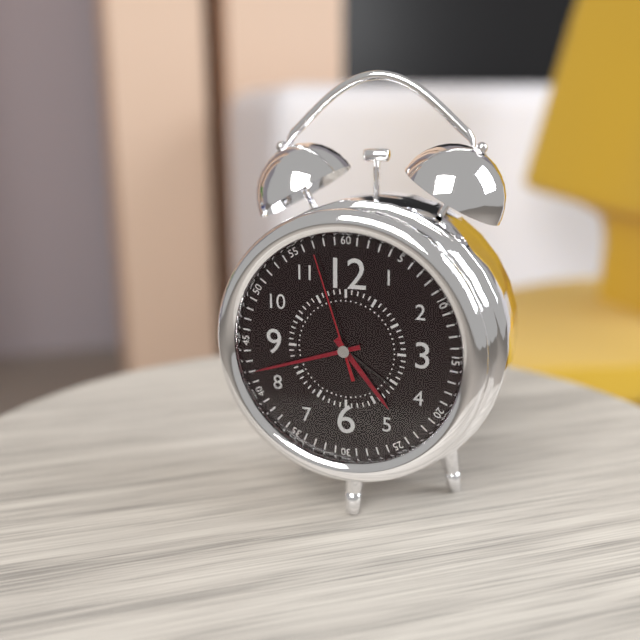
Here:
4,42,57
